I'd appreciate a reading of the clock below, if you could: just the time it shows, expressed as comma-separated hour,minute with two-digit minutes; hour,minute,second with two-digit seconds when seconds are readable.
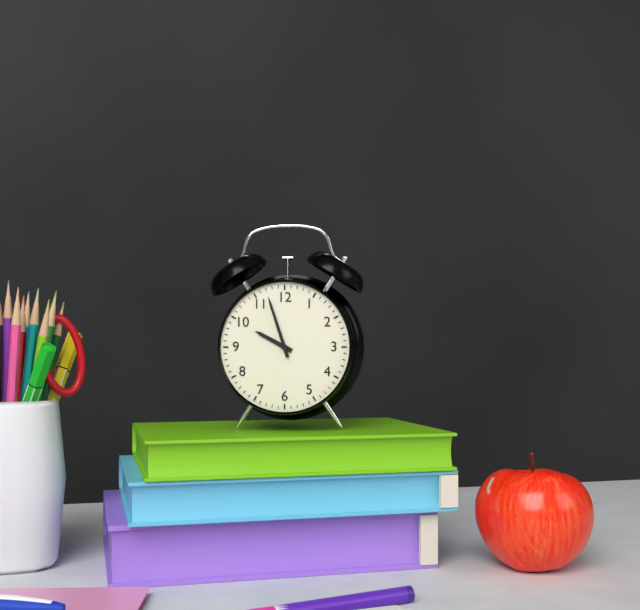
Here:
9,57
